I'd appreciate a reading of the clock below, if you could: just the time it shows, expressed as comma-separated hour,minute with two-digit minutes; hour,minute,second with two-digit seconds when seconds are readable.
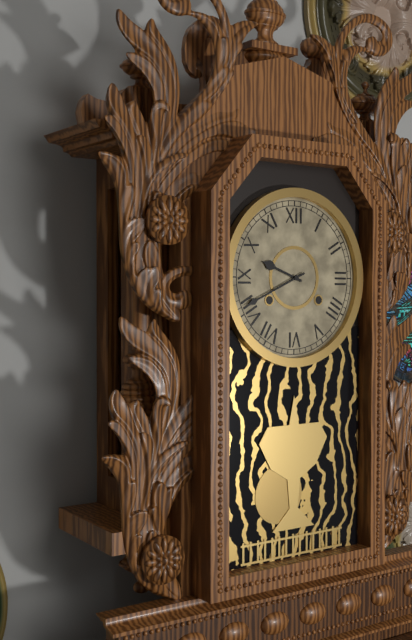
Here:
9,41
